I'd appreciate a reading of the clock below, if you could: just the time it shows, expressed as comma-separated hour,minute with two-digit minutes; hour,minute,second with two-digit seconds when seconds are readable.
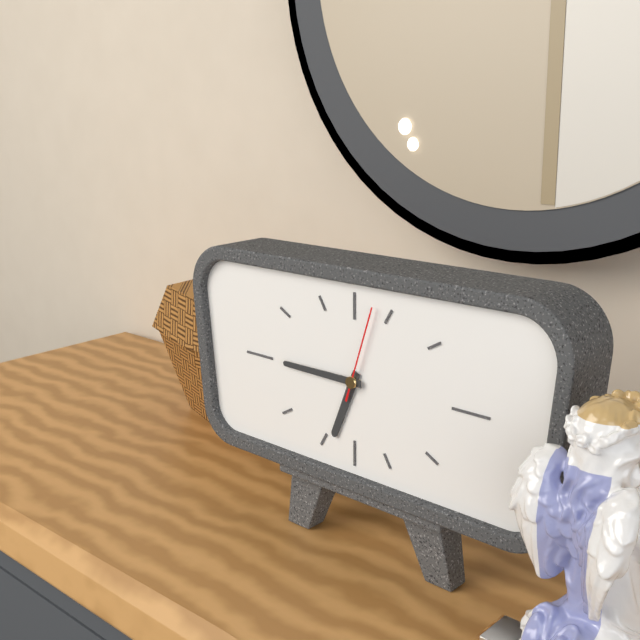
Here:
6,45,03
